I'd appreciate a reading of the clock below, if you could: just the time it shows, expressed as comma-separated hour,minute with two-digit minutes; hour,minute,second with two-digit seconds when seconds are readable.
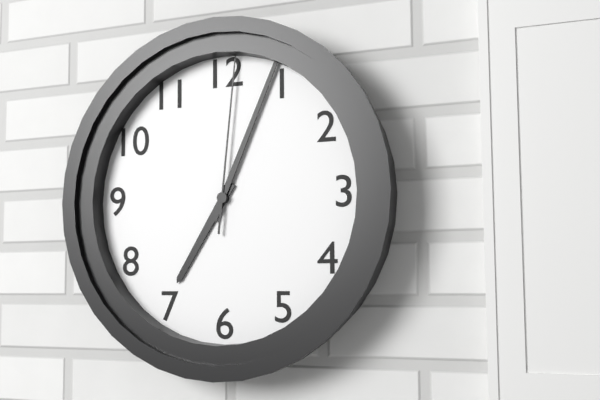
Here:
7,04,01
